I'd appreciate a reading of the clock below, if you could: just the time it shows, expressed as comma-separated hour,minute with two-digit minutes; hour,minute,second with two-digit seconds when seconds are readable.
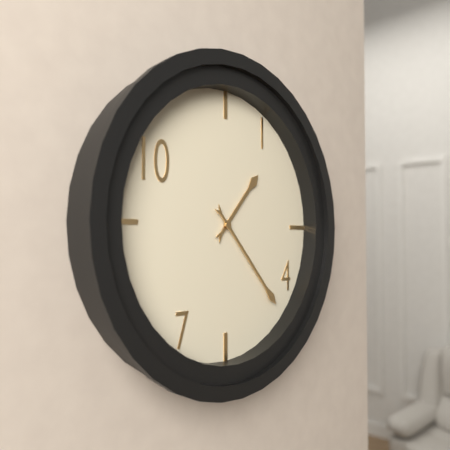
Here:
1,23
